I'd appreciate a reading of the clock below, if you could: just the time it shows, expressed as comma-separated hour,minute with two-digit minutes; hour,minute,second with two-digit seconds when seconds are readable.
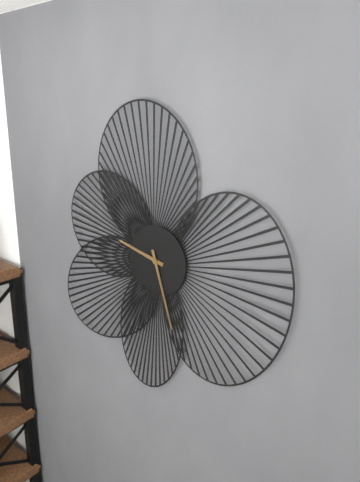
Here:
9,27
